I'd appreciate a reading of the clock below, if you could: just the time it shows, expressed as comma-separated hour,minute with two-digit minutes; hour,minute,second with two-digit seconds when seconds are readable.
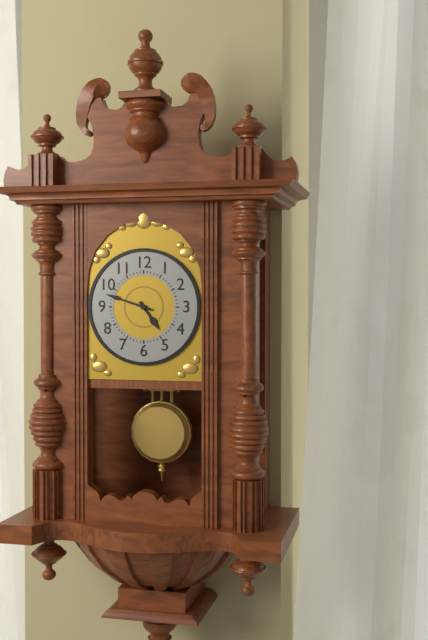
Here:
4,48
